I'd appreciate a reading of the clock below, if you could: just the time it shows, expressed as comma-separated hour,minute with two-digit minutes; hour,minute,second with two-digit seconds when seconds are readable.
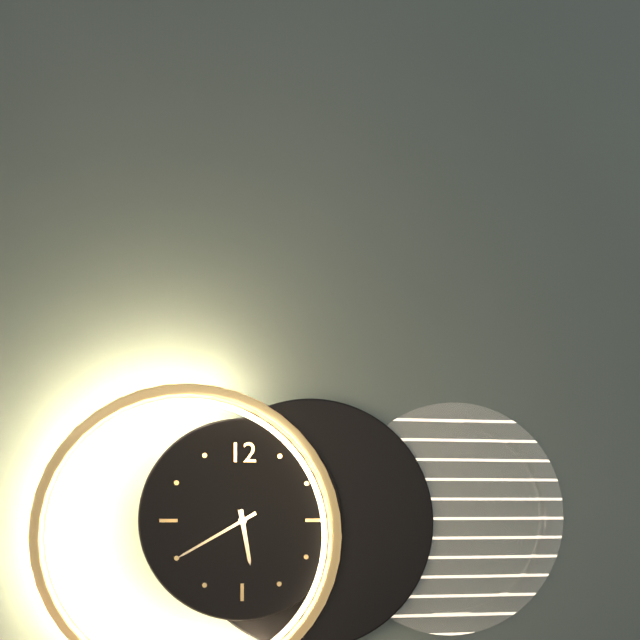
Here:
5,40
